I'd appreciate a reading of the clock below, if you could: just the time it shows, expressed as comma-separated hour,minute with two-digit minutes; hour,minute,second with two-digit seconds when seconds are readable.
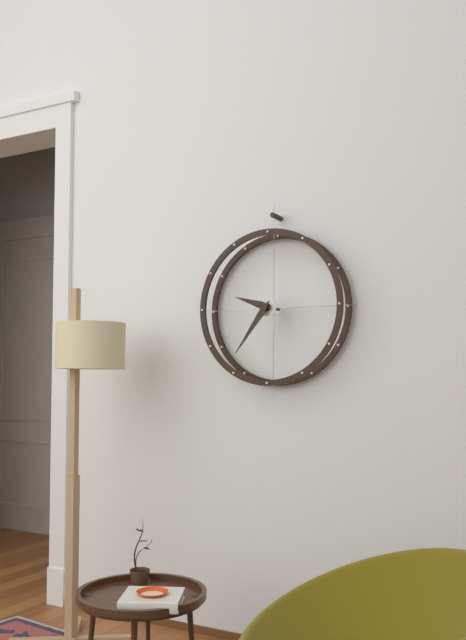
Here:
9,36
